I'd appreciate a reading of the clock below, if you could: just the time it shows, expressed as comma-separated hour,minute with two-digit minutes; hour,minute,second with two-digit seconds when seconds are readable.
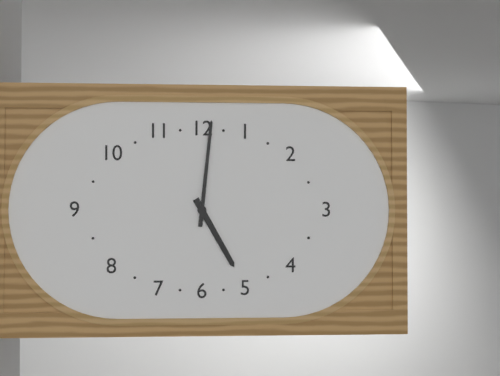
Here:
5,01
